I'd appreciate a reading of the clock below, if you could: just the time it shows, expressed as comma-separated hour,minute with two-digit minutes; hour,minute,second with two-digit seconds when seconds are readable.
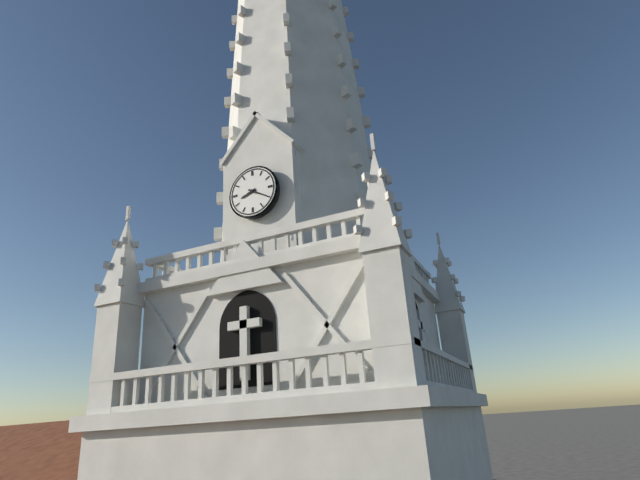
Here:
8,20
